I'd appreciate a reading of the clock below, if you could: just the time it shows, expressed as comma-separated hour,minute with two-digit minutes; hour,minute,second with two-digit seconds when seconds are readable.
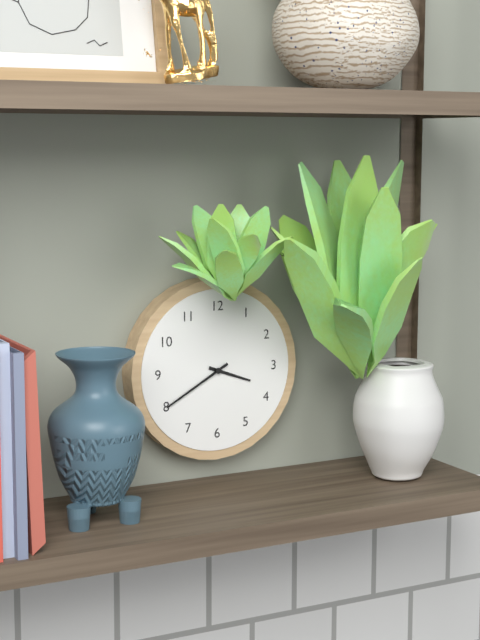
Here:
3,40
